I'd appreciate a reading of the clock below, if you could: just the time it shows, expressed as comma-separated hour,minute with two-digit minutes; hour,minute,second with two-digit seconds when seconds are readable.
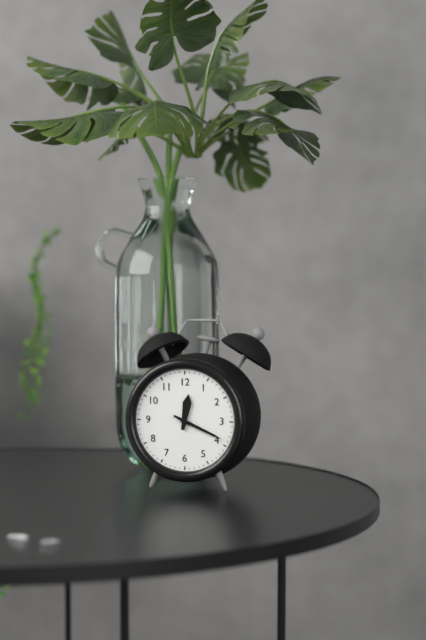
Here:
12,19
